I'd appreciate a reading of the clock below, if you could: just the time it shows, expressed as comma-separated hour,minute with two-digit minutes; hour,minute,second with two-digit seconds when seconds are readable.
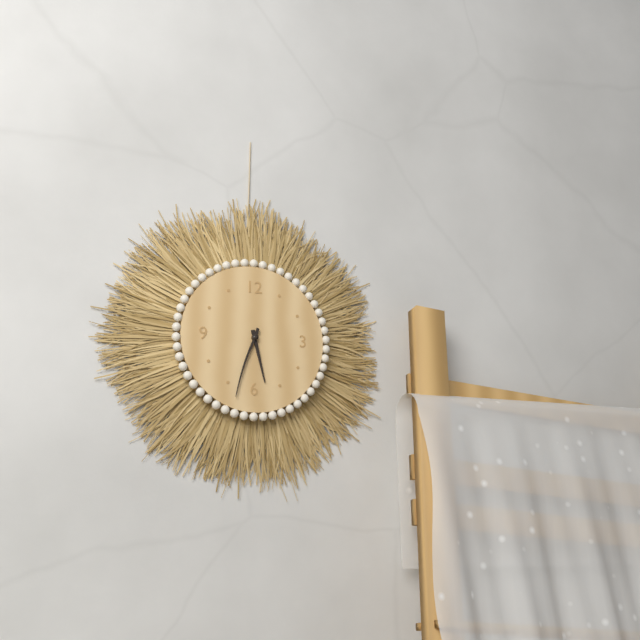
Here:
5,33
